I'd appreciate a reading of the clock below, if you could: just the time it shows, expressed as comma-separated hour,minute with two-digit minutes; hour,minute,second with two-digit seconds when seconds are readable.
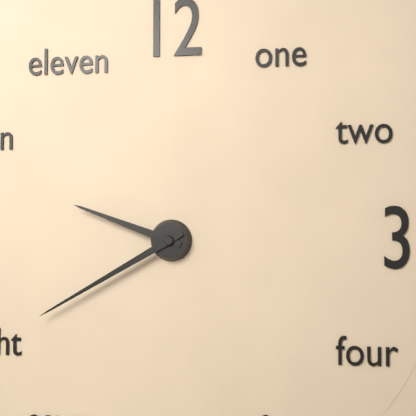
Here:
9,40
